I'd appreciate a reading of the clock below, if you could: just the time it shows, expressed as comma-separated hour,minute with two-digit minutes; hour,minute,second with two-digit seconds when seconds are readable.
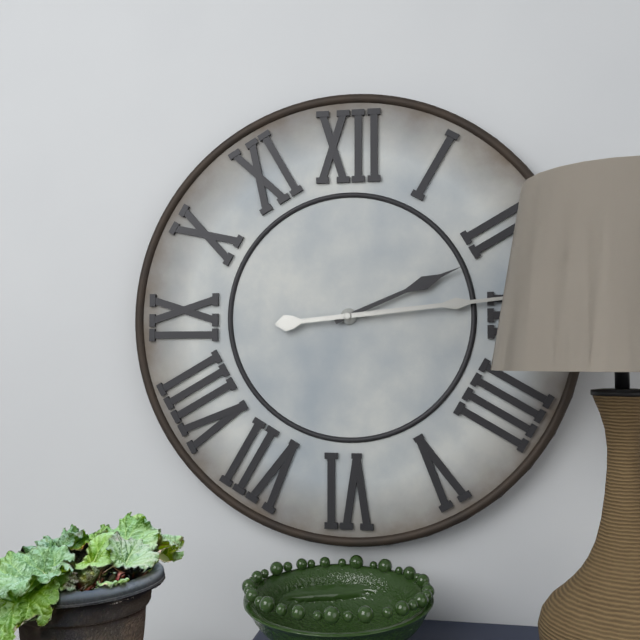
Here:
2,14
